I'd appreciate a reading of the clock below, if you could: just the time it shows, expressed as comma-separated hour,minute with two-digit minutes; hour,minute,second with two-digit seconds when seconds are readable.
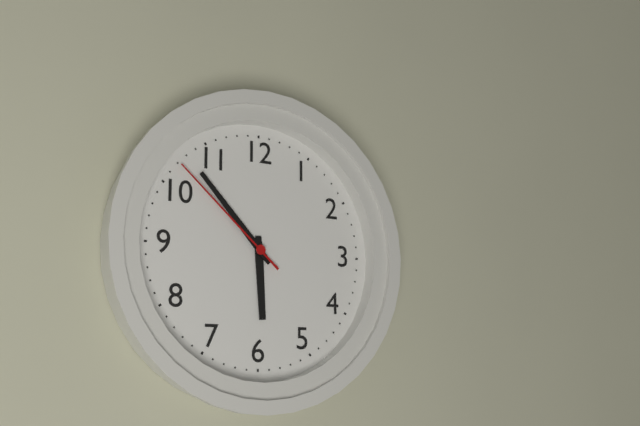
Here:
5,53,52
